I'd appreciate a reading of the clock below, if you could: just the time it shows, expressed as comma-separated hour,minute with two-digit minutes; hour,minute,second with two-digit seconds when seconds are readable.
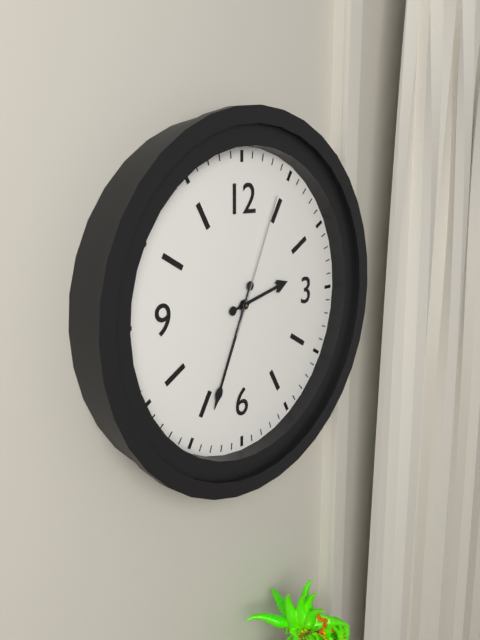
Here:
2,34,04
